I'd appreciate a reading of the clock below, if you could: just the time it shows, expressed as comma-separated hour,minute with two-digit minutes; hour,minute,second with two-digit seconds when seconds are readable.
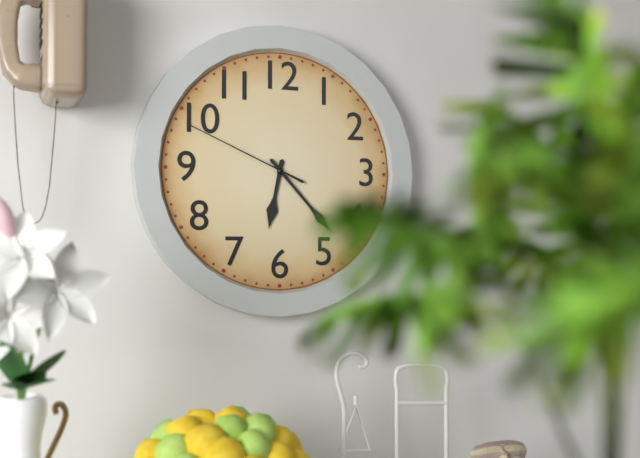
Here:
6,23,49
